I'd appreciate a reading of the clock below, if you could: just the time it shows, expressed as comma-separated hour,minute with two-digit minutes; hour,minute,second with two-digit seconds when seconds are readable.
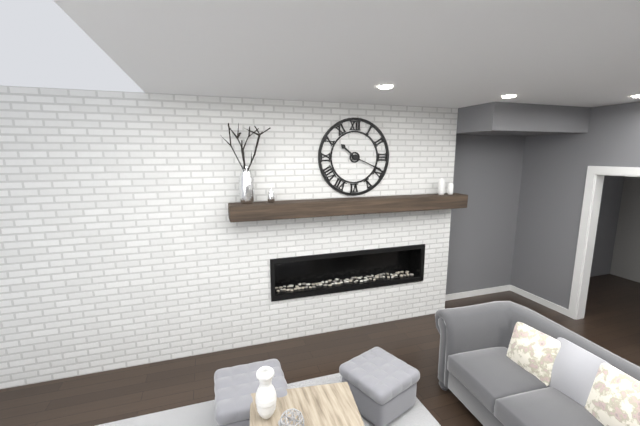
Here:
10,19
